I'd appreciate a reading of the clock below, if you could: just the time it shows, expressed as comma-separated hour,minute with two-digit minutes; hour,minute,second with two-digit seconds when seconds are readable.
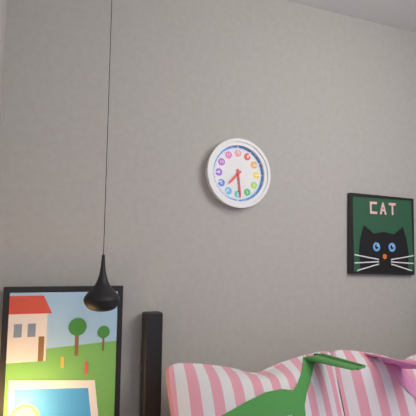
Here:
7,29
